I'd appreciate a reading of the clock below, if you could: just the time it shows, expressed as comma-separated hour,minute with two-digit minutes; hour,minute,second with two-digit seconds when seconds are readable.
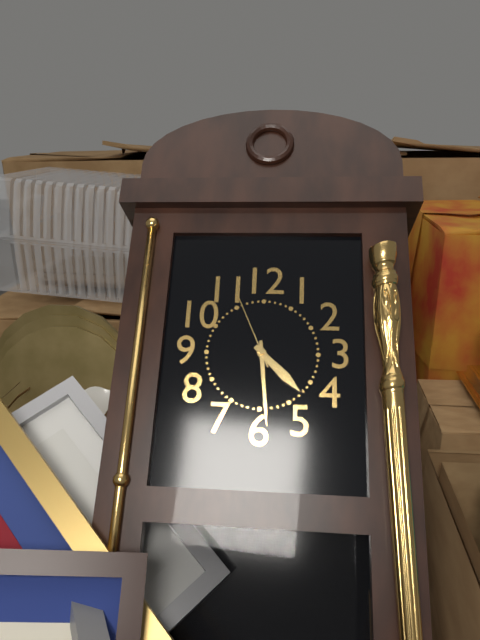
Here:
4,29,56
